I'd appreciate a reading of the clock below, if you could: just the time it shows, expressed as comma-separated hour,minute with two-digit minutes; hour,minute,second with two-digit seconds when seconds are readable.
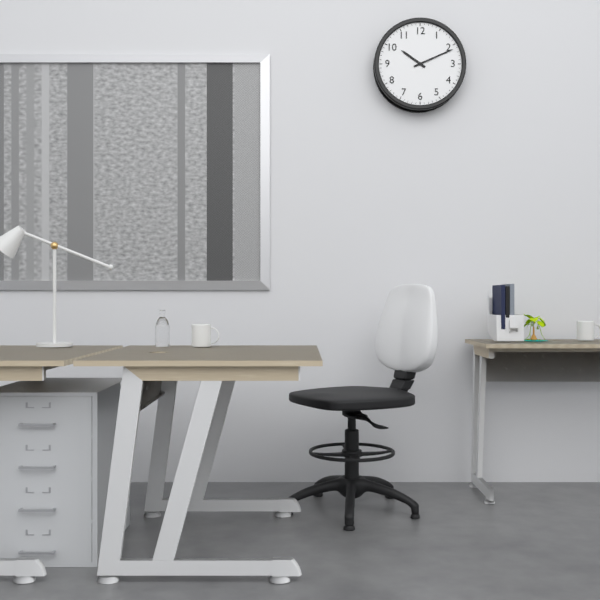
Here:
10,11
